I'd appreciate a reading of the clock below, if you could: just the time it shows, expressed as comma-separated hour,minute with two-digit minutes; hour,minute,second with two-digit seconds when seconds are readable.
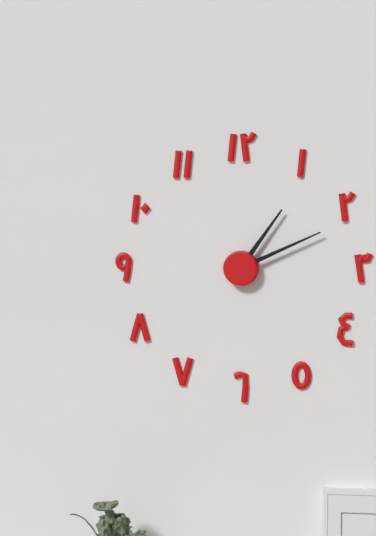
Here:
1,11
